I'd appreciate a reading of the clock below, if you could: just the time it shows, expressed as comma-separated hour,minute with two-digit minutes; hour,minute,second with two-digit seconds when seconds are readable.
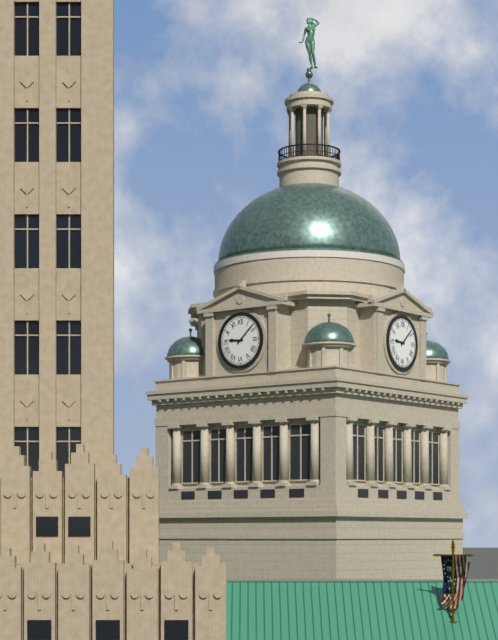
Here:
9,08
